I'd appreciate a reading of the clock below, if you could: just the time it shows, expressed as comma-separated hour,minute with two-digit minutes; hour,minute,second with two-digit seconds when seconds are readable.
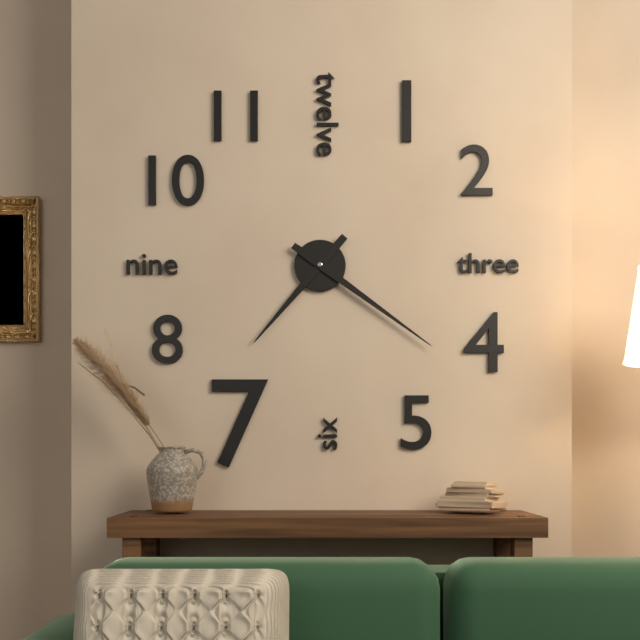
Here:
7,21
